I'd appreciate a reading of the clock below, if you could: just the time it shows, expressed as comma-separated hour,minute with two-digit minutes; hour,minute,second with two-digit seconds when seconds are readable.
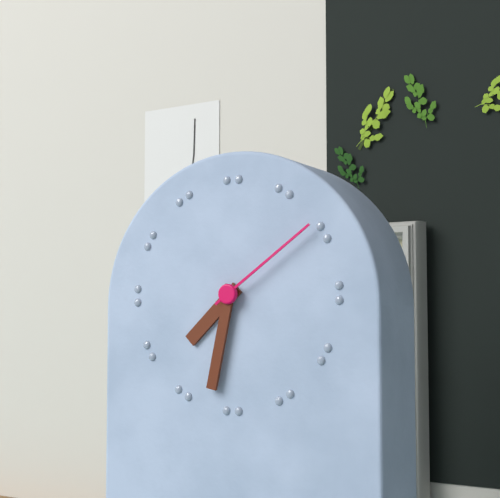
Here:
7,32,09
